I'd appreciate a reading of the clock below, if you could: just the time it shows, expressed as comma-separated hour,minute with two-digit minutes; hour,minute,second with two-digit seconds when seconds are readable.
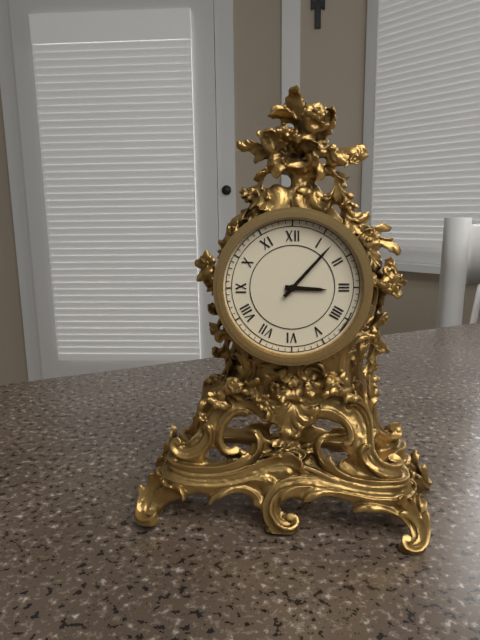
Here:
3,07
